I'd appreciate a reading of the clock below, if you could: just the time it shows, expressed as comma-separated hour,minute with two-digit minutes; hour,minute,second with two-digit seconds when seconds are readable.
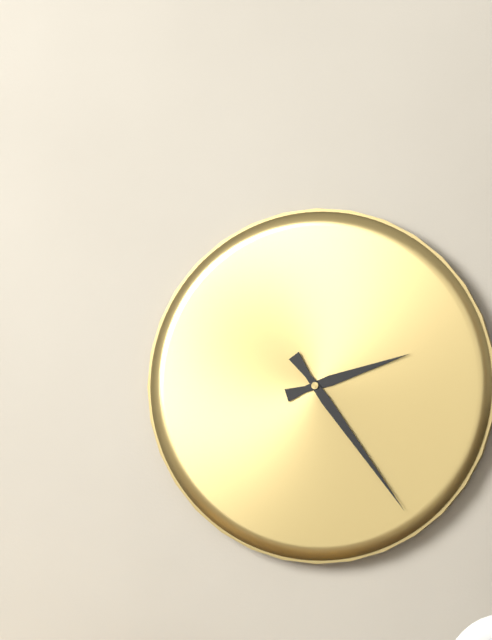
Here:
2,24
